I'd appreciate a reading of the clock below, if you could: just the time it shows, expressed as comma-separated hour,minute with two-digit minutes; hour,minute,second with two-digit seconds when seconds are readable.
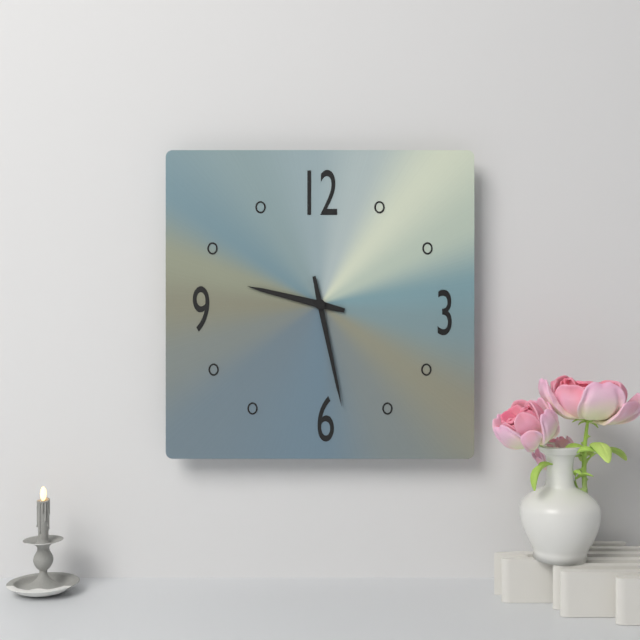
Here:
9,28
